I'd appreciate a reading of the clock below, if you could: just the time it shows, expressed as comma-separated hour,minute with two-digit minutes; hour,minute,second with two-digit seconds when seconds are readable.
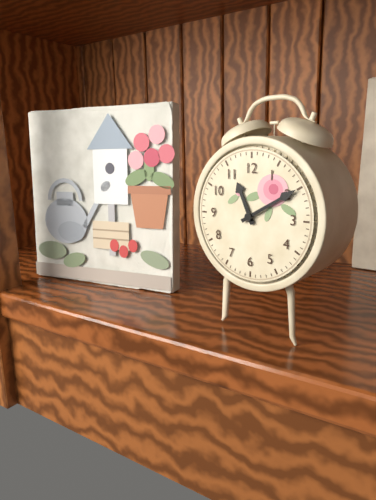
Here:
11,10
